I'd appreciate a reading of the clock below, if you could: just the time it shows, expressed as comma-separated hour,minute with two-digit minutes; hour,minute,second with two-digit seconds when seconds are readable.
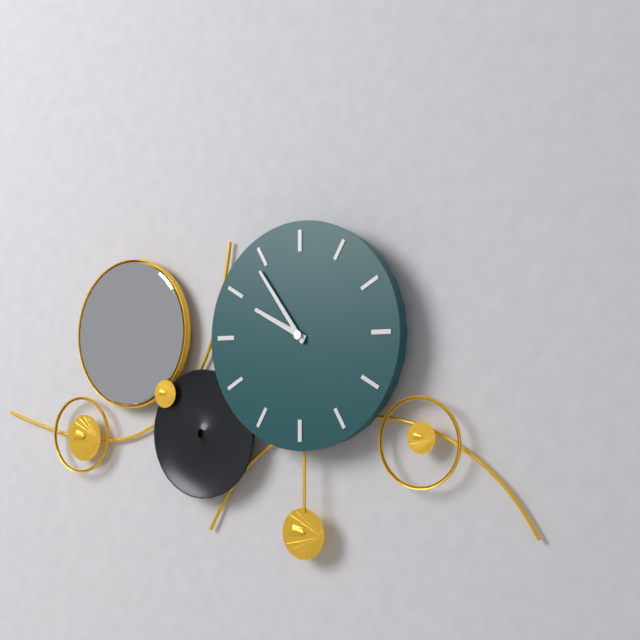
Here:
9,54
